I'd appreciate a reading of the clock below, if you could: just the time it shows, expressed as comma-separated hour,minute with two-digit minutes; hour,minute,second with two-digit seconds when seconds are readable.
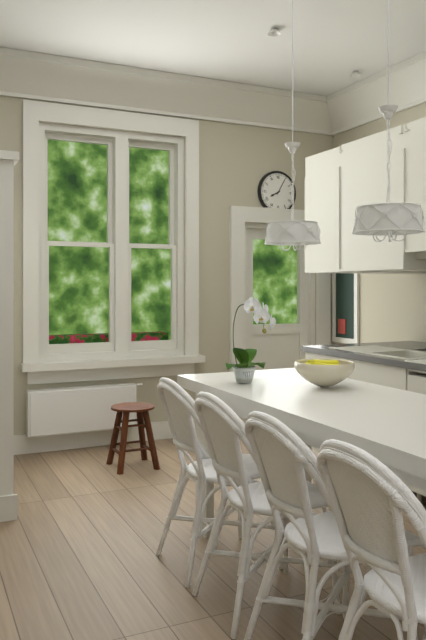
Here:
8,05
